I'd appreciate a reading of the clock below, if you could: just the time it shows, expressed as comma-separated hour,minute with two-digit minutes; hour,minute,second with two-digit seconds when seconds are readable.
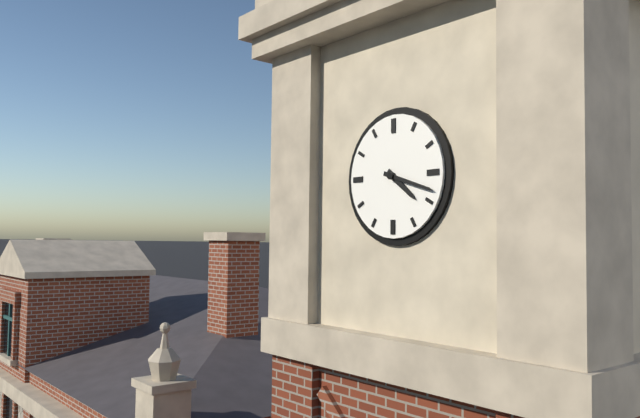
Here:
4,18
